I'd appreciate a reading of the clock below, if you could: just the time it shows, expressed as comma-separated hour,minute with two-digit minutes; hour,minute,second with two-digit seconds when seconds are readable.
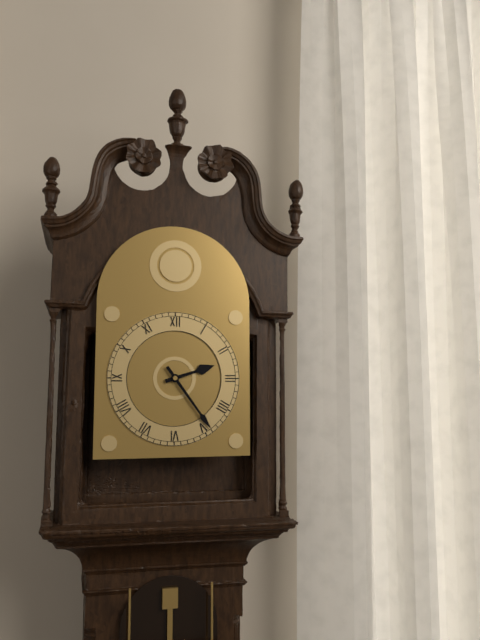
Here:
2,24
